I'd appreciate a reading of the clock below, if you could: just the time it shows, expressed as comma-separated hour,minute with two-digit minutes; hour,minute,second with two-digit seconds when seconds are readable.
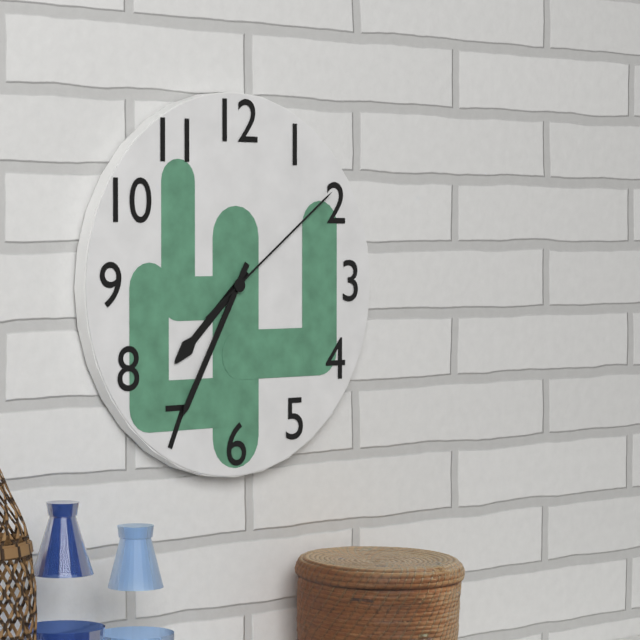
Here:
7,35,09
